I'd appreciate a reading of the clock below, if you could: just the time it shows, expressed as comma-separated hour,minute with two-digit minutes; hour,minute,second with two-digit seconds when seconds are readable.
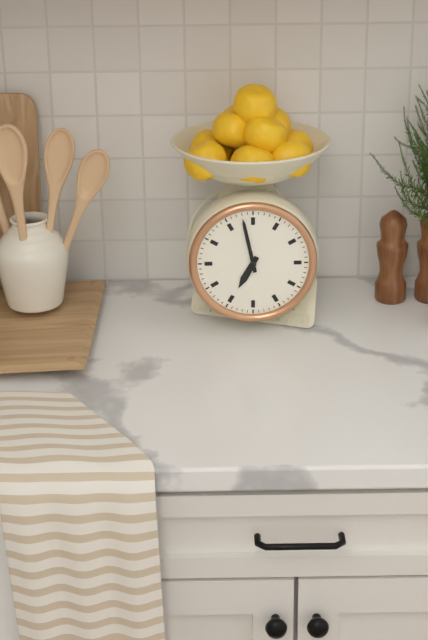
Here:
6,58
